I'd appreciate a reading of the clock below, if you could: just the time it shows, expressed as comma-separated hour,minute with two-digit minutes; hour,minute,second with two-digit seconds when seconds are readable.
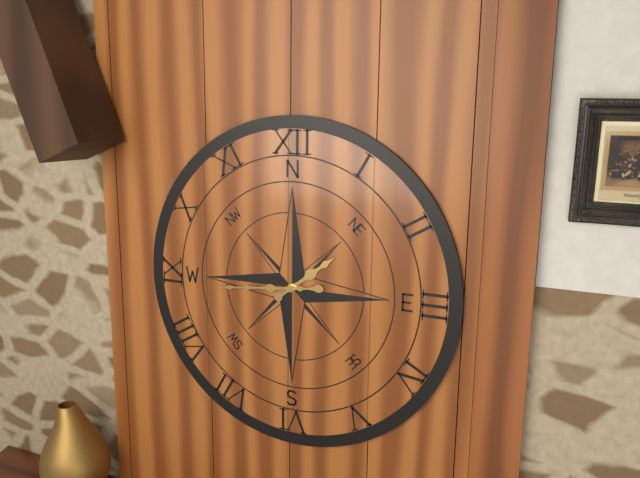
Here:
1,44
